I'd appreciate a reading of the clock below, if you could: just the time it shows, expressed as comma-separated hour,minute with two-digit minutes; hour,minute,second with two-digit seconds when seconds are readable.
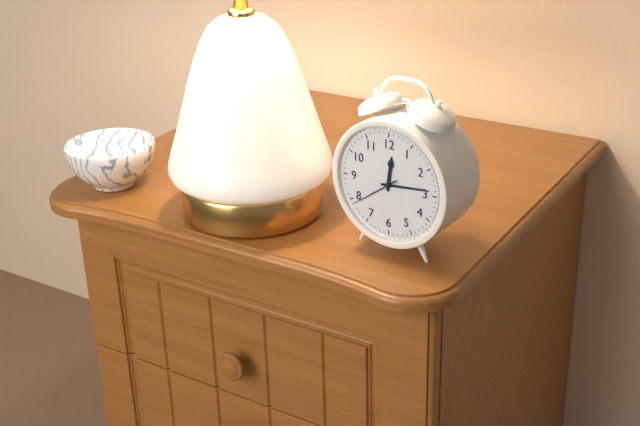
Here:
12,14,39
